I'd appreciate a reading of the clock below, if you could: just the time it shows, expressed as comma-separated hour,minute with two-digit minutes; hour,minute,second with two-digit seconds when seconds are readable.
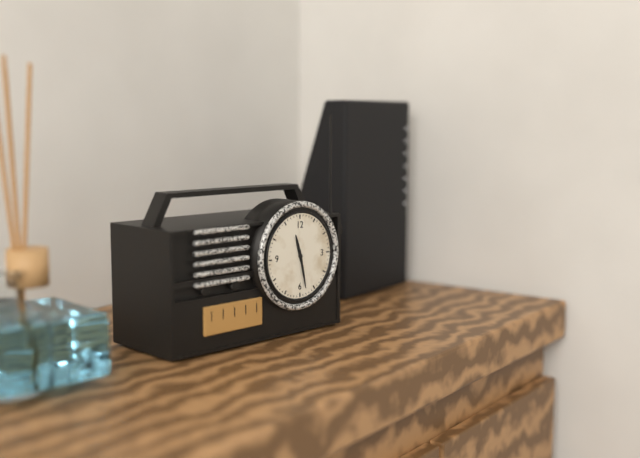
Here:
11,28
